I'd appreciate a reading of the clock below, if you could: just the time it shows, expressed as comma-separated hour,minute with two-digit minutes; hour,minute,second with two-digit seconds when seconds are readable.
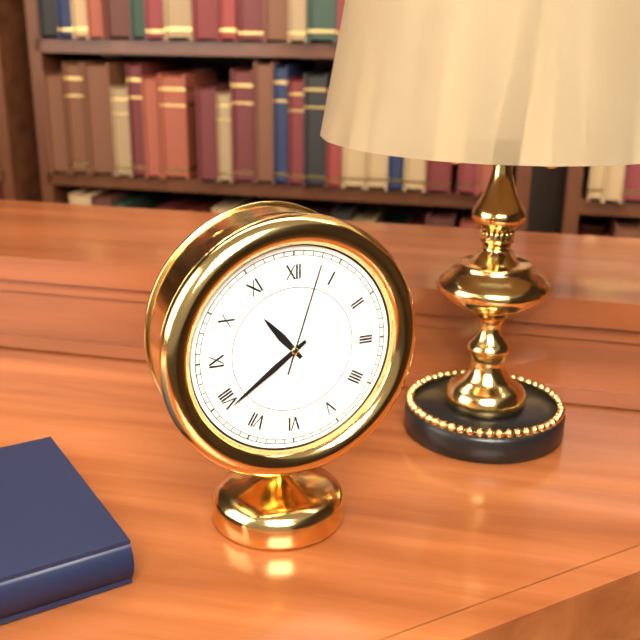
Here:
10,39,03
